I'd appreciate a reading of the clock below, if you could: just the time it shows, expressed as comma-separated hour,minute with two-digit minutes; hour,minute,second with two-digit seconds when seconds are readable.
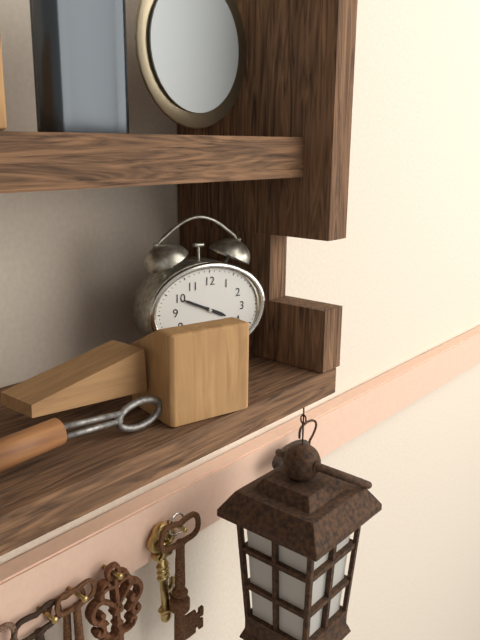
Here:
3,49
